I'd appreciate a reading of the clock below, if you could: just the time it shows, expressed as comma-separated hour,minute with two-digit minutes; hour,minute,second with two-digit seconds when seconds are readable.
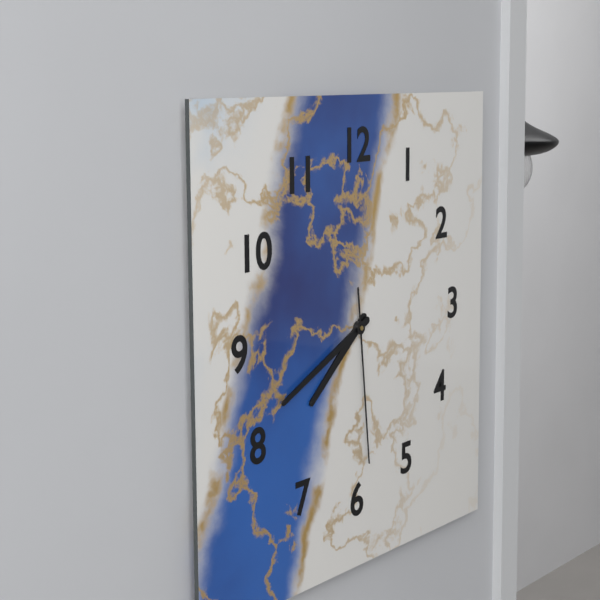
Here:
7,41,29
